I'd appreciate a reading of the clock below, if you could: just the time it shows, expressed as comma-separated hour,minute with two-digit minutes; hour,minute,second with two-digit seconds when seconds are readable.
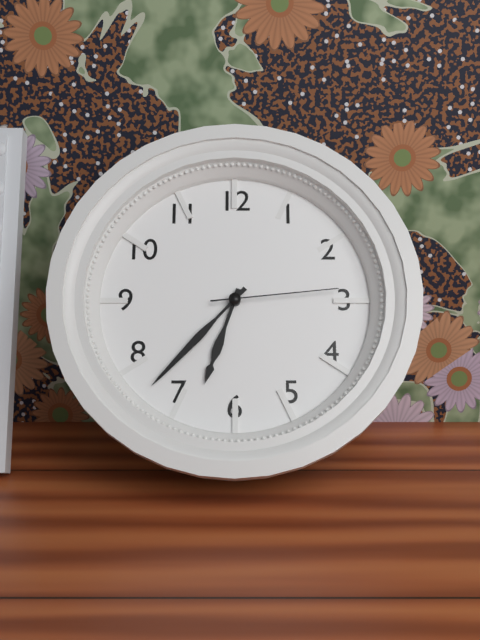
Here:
6,37,14
